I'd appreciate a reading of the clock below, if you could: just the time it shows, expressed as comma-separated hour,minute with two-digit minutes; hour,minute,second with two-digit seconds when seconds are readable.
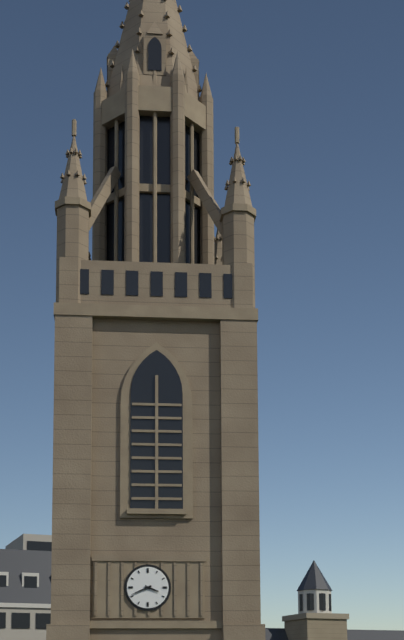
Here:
3,41
